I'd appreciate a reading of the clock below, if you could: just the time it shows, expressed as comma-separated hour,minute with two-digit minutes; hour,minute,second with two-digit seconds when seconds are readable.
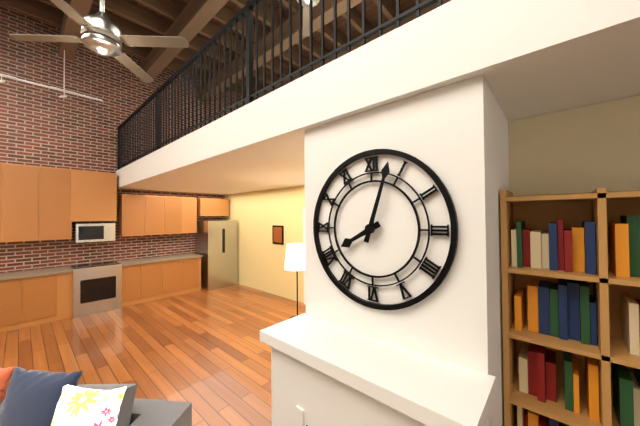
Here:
8,03
